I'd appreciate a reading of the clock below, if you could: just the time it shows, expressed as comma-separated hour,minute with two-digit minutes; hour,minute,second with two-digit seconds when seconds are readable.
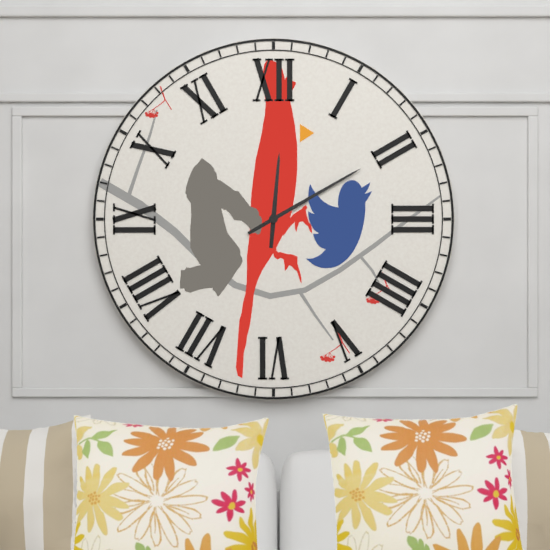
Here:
12,10
